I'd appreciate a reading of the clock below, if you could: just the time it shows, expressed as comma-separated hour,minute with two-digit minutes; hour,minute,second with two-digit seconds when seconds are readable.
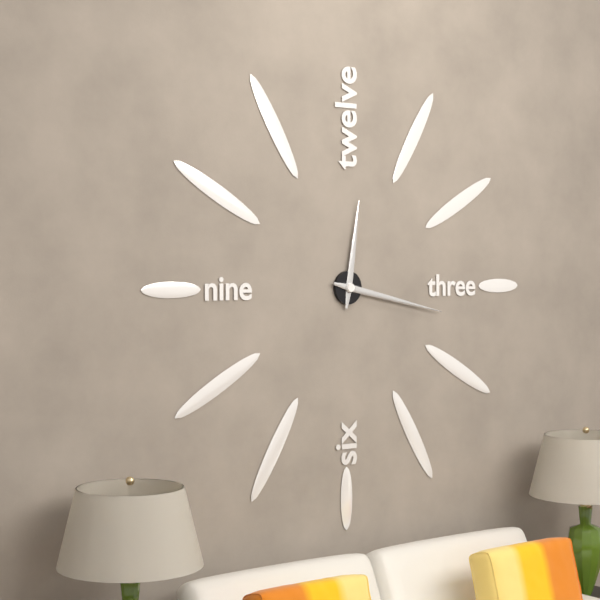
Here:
12,17
